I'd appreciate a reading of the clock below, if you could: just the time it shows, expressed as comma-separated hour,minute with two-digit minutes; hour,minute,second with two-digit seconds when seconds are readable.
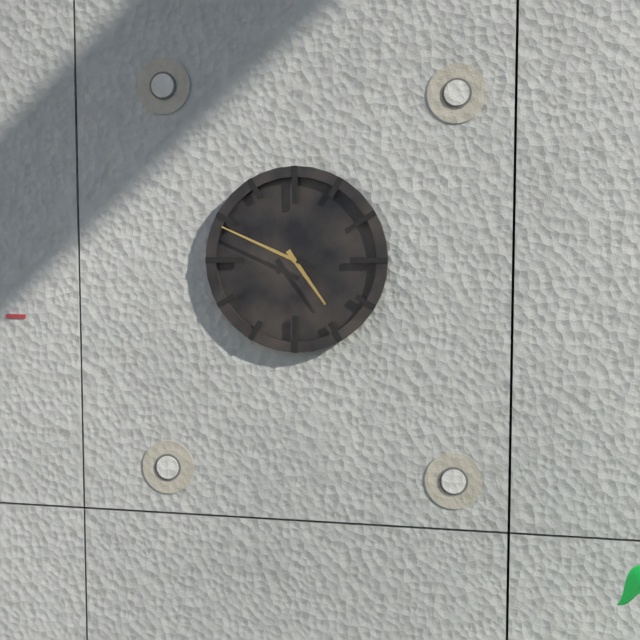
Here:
4,49
